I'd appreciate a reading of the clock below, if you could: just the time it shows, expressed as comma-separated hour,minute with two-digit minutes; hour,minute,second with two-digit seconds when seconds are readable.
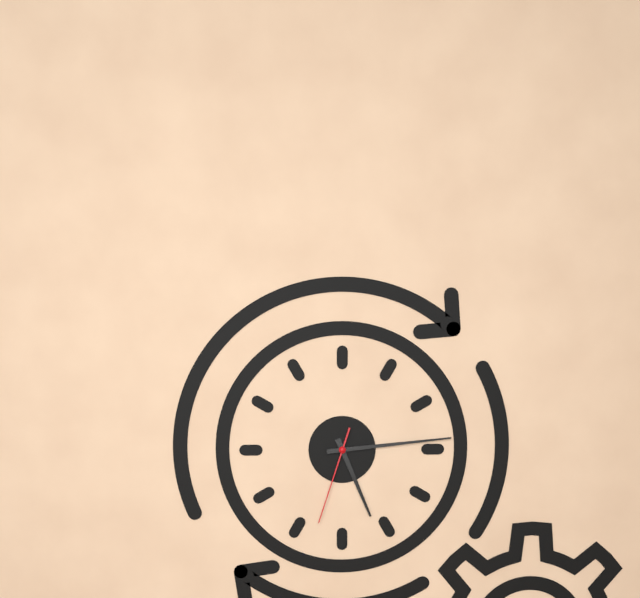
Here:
5,14,33
